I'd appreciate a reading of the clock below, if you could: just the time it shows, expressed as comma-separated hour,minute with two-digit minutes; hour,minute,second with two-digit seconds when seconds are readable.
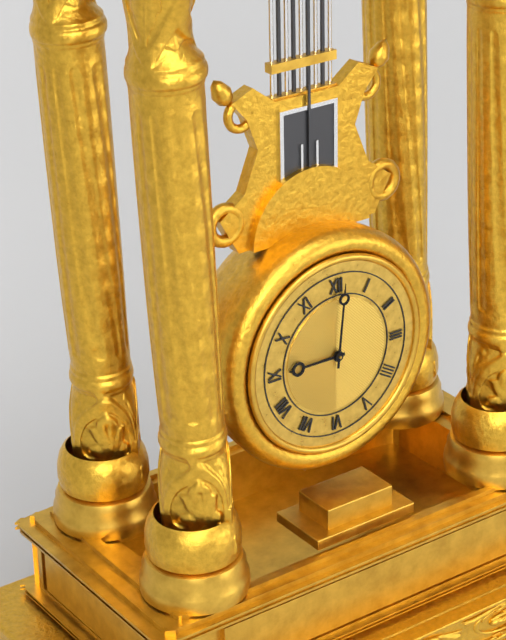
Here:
9,01
